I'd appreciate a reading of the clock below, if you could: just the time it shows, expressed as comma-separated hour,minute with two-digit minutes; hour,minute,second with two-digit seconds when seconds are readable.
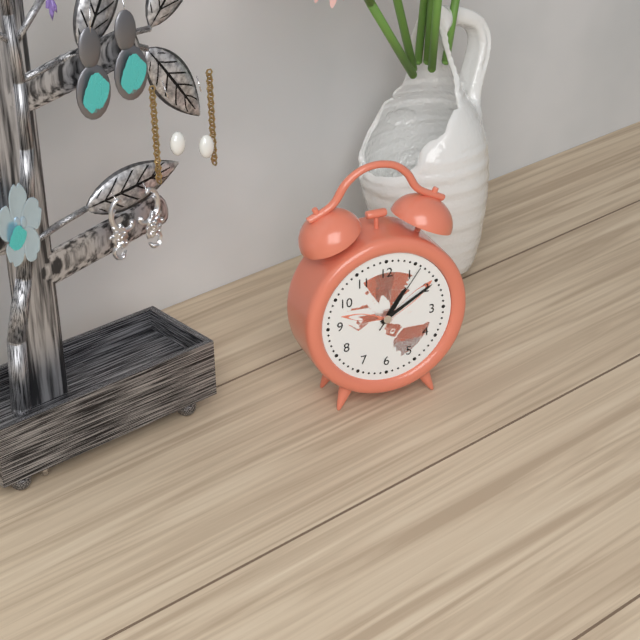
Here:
1,10,06
